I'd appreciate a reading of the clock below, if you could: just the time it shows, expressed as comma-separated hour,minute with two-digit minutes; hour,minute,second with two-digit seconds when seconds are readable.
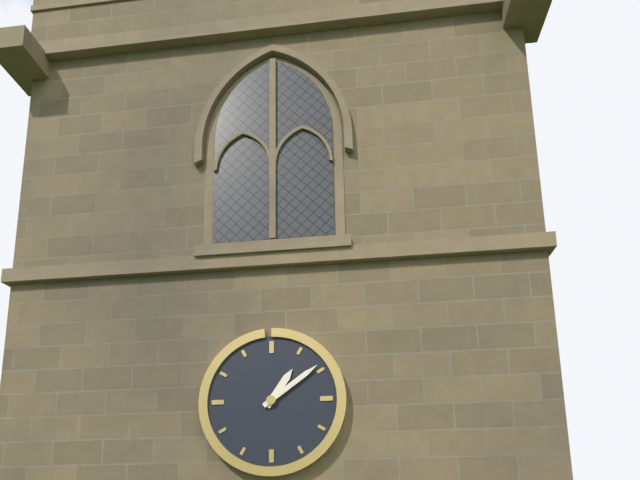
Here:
1,09
